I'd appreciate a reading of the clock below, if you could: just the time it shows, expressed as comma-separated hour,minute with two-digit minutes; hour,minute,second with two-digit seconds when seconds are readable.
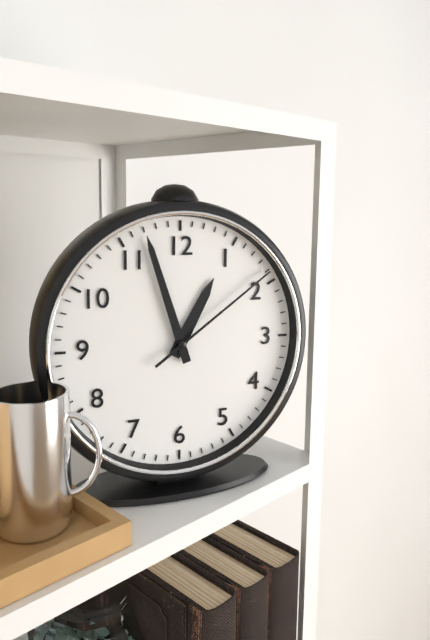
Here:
12,57,09
